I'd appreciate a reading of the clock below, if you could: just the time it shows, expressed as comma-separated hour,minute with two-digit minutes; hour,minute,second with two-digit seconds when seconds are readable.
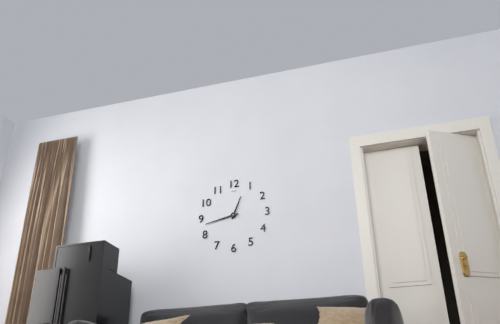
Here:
12,43
